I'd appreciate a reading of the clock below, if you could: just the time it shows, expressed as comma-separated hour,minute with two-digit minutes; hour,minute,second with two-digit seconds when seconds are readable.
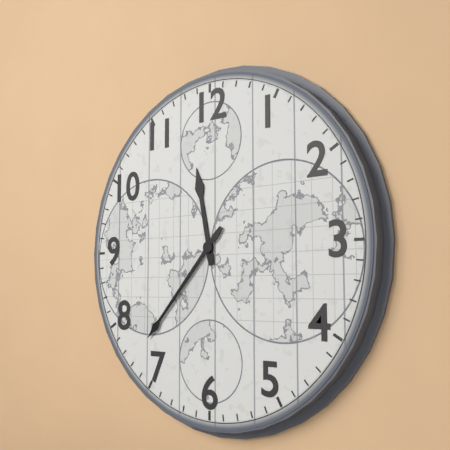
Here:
11,37
